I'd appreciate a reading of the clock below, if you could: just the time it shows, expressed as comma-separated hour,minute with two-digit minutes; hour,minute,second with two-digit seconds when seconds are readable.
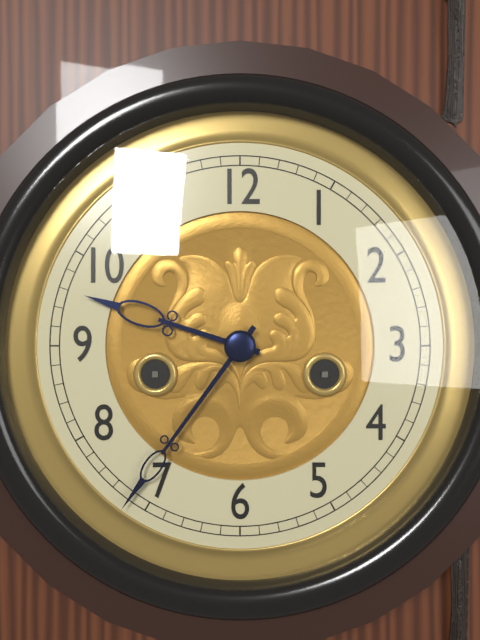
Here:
9,36
